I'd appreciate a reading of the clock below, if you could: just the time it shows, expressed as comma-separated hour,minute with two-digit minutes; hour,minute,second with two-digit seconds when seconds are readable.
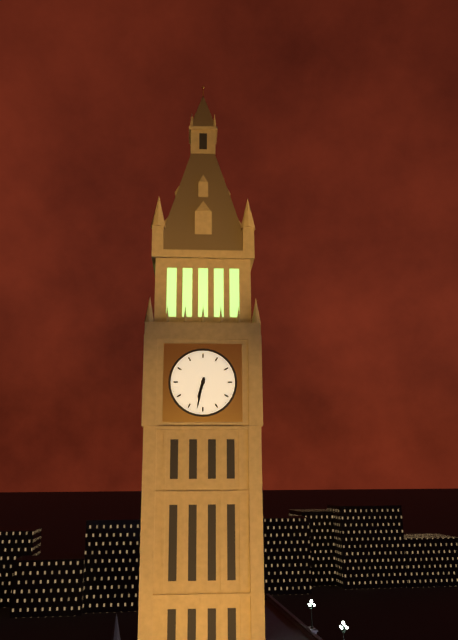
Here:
6,32
